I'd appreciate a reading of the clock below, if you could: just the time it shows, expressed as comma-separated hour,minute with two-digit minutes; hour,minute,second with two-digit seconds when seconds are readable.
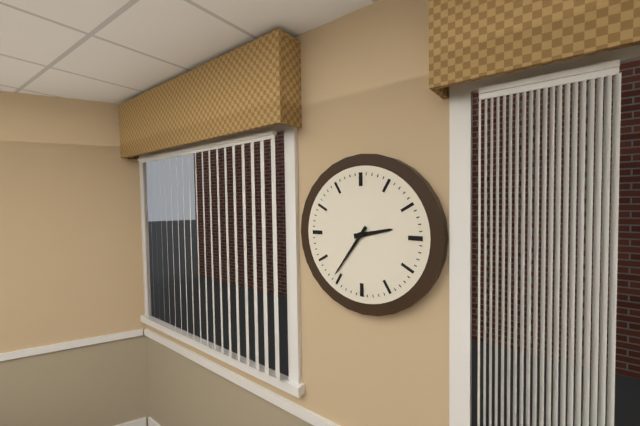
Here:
2,36
